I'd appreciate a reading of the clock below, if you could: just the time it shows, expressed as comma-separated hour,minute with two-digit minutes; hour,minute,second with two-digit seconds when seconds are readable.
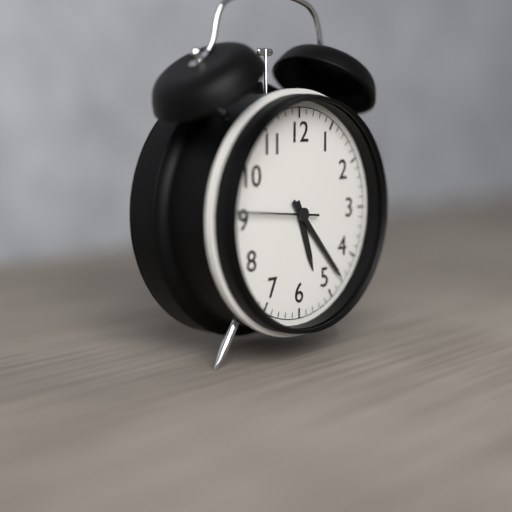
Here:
5,23,46
